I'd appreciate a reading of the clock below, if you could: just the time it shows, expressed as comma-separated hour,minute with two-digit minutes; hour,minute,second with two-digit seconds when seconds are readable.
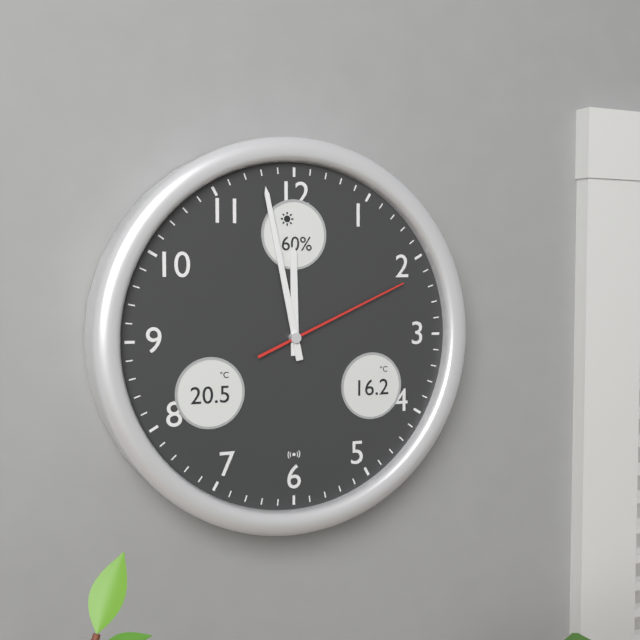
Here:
11,58,11
